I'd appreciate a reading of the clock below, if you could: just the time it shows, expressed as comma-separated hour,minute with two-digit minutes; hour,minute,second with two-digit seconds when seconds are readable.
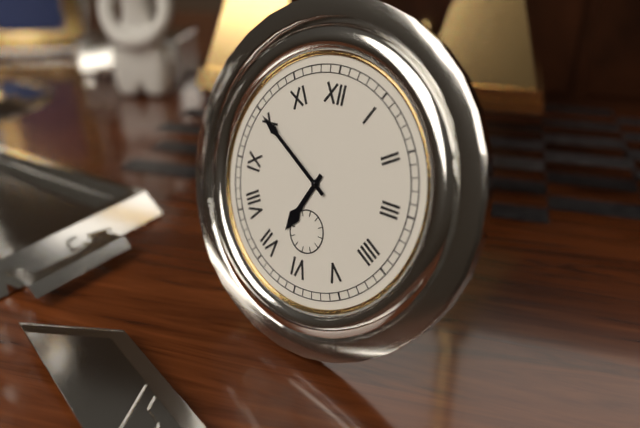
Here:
6,50
